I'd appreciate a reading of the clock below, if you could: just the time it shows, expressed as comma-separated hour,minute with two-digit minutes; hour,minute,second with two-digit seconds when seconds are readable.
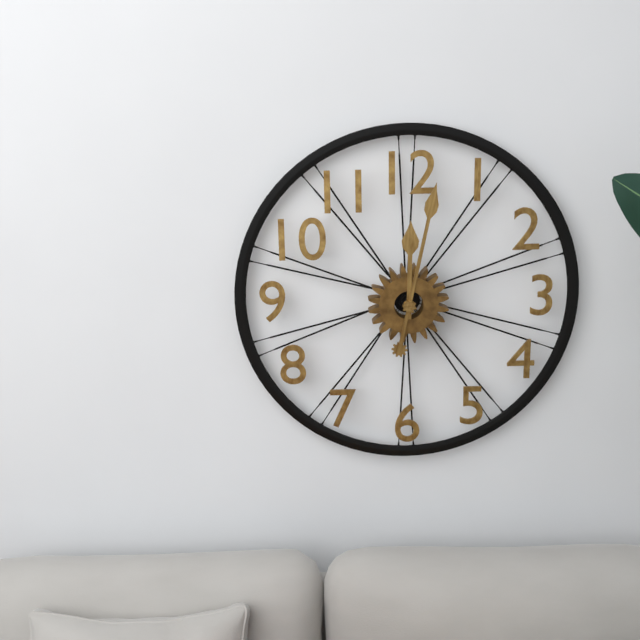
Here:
12,02
